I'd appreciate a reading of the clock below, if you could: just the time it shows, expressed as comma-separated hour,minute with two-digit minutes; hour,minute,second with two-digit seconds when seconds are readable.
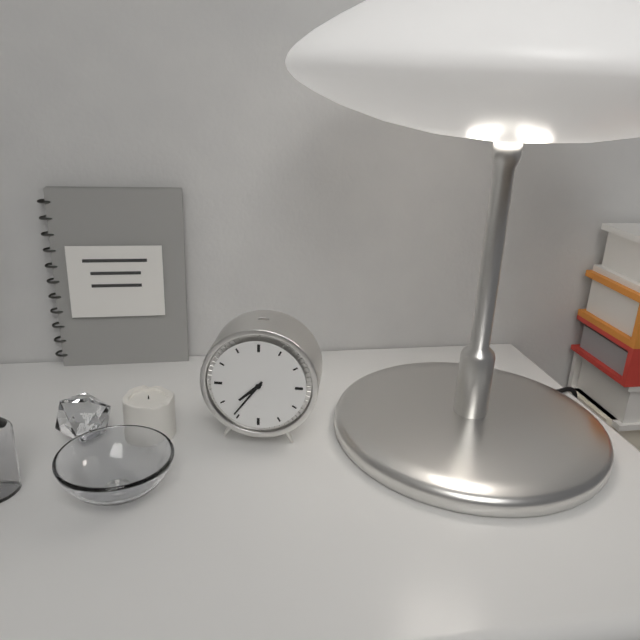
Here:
7,36
